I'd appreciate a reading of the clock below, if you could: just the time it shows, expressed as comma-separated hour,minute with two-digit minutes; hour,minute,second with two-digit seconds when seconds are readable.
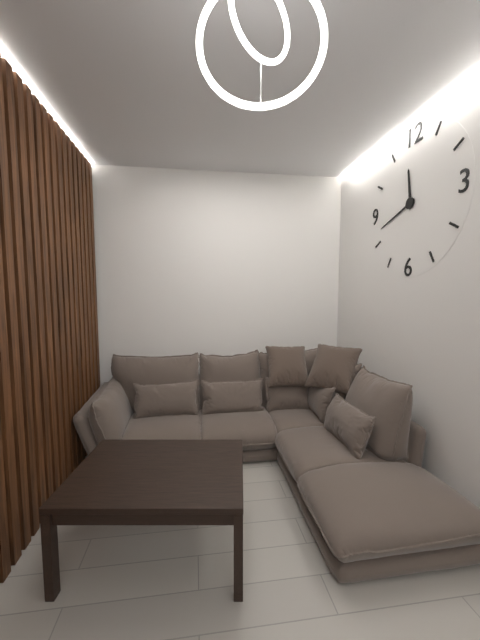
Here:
11,42
